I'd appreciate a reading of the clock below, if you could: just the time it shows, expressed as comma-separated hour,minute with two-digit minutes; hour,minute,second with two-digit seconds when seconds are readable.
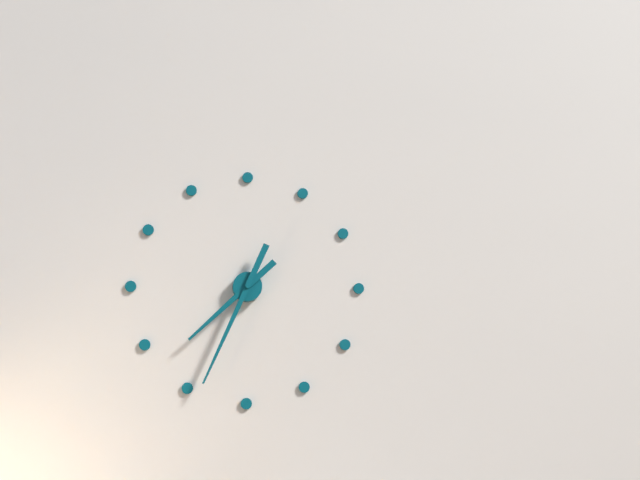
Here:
7,34
